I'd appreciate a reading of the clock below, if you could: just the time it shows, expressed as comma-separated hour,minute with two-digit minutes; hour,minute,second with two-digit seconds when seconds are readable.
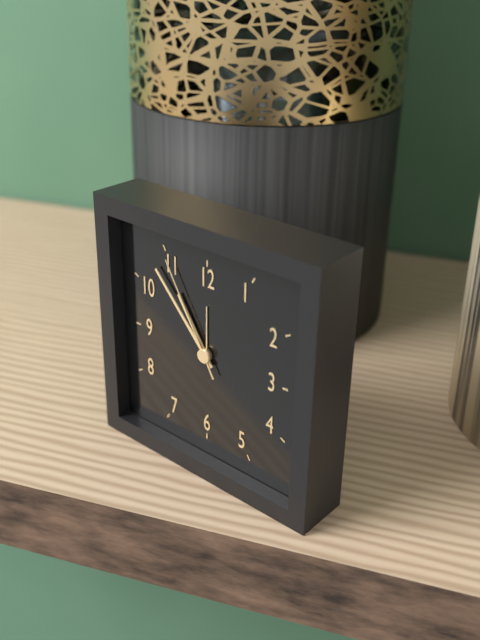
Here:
10,53,55
